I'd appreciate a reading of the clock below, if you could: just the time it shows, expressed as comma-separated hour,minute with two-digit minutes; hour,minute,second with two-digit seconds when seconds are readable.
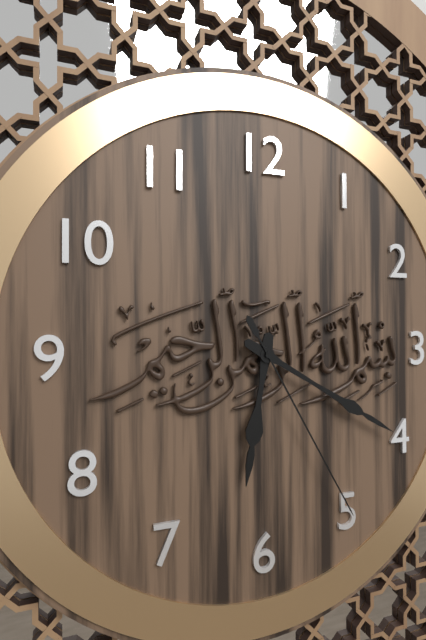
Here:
6,20,25
